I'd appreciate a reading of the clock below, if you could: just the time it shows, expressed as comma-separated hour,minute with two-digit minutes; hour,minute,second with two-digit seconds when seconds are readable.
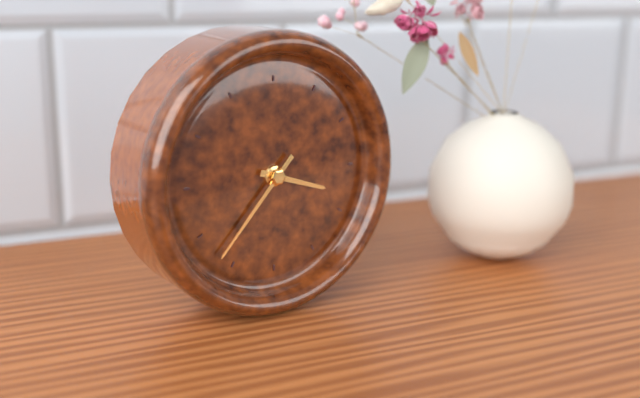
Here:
3,37
